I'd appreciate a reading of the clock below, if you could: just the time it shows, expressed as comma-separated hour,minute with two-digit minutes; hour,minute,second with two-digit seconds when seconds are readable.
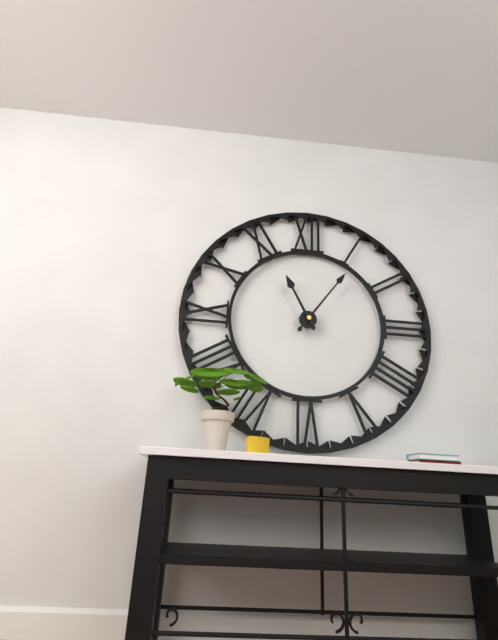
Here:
11,06
